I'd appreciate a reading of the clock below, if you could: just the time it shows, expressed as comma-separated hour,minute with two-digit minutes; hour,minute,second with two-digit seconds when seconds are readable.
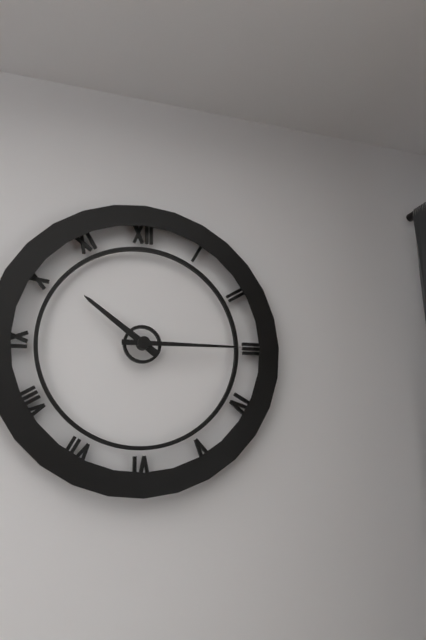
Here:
10,15
